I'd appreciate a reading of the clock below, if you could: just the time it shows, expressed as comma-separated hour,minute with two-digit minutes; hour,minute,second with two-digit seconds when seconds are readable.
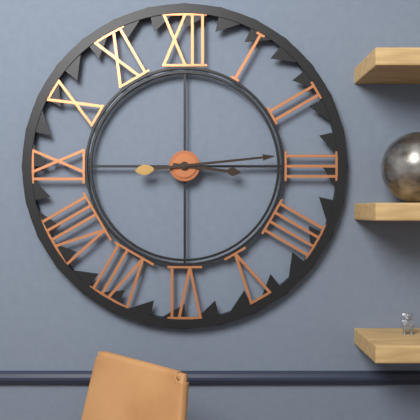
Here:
3,14
